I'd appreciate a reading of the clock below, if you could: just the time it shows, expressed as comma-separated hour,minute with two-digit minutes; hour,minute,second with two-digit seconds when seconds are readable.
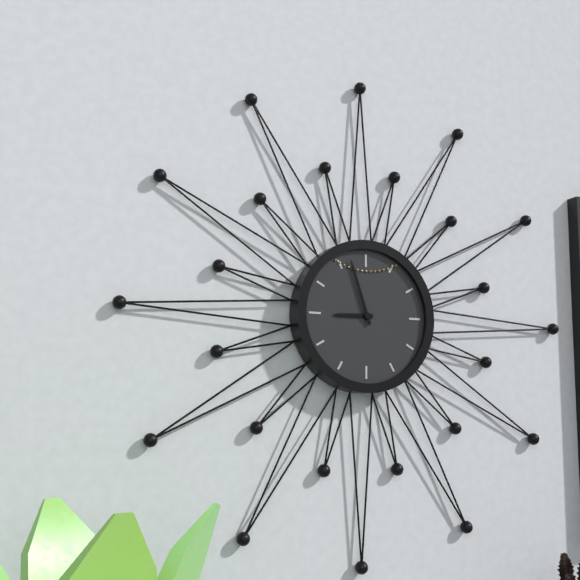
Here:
8,57
